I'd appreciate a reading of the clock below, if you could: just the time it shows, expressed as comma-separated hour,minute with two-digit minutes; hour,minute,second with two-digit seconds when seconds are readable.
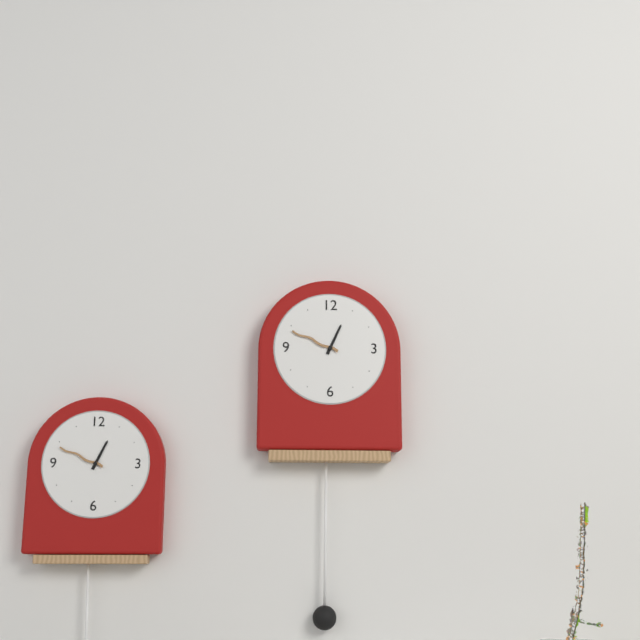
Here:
12,49
